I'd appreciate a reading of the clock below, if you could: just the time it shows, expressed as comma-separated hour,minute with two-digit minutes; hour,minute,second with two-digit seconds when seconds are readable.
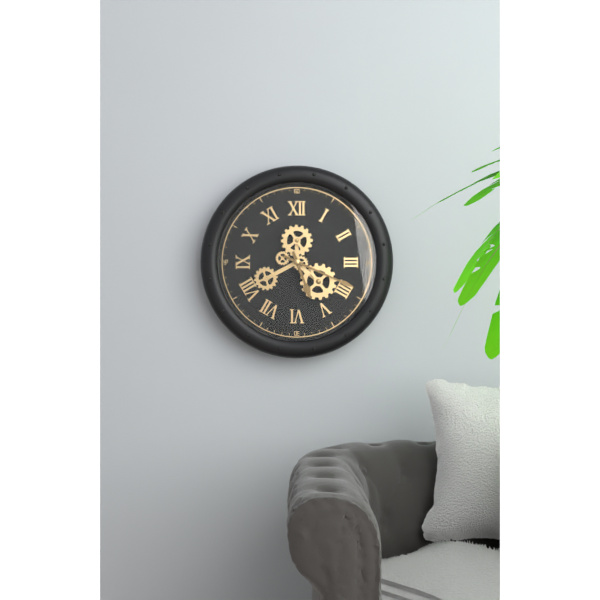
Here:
5,19
